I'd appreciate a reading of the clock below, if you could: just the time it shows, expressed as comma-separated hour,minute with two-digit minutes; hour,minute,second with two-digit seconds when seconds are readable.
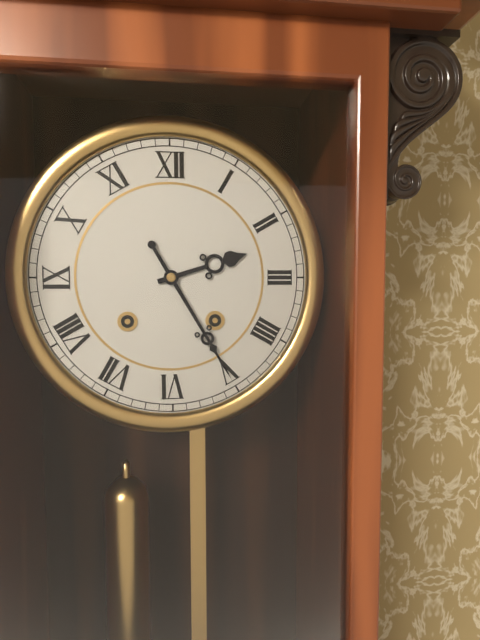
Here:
2,25
